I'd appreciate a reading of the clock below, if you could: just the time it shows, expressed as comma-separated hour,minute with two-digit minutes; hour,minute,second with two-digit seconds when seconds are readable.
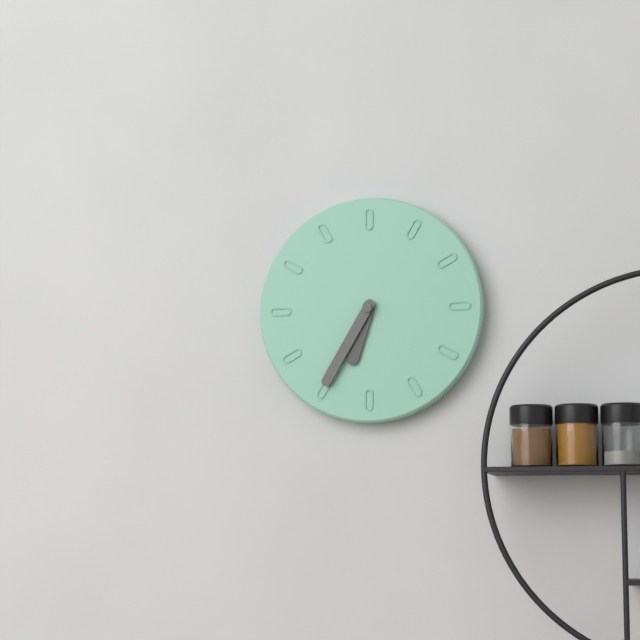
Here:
6,35
